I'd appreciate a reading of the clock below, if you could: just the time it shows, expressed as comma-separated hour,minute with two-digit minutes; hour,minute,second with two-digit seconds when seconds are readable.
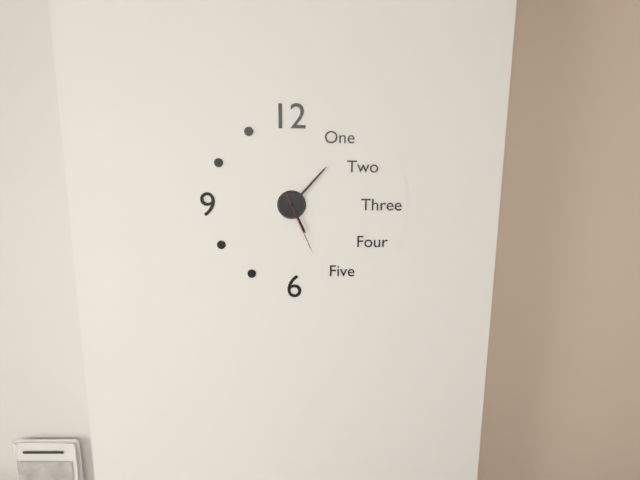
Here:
5,07,26
